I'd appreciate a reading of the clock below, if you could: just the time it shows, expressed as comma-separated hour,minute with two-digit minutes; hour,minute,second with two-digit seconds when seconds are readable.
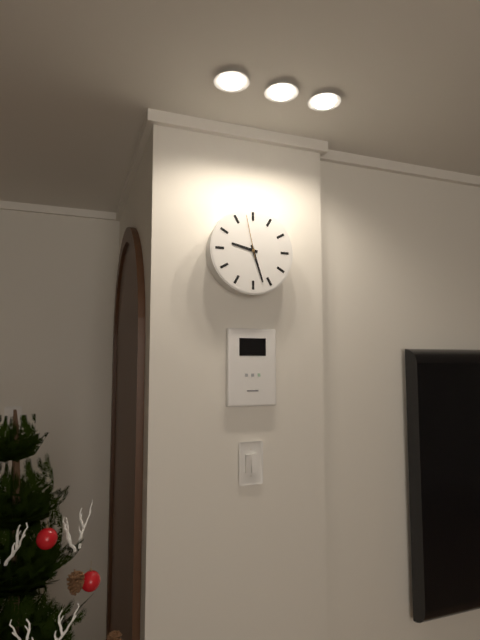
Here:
9,27
